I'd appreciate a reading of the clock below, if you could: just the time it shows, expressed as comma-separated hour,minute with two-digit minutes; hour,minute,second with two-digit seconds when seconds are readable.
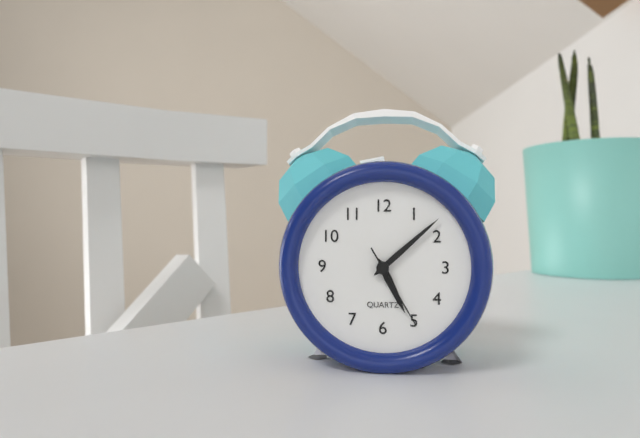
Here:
5,08,25
